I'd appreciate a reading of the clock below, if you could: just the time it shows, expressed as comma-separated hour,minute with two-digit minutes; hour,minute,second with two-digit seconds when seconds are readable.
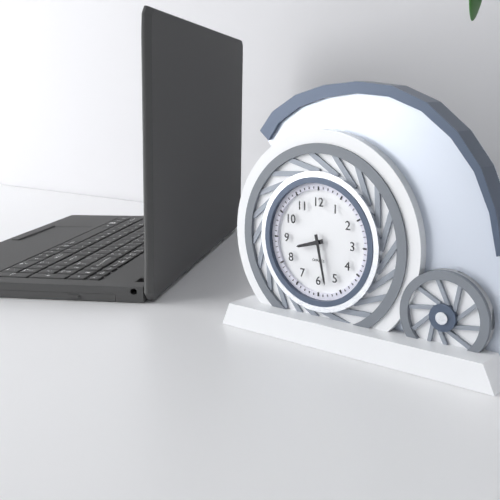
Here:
8,28
